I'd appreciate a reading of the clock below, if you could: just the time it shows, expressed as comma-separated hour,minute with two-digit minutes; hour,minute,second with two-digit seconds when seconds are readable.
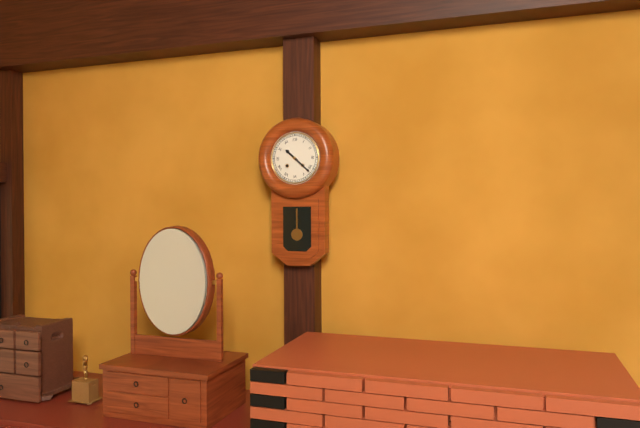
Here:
10,22
